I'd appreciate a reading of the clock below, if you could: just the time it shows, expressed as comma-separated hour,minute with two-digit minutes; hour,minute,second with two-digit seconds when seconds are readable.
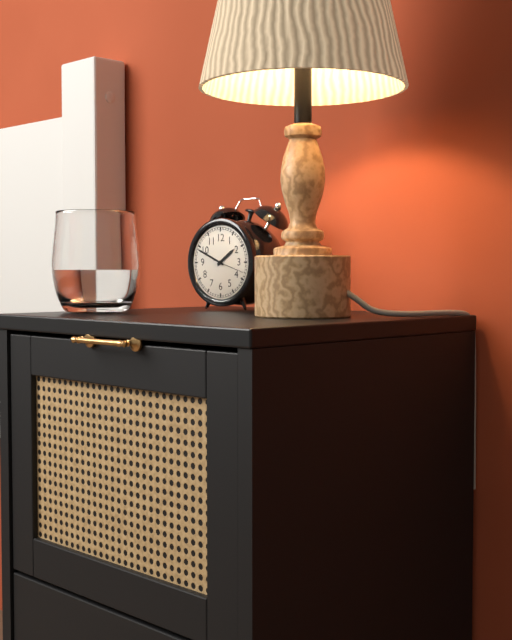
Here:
1,49
